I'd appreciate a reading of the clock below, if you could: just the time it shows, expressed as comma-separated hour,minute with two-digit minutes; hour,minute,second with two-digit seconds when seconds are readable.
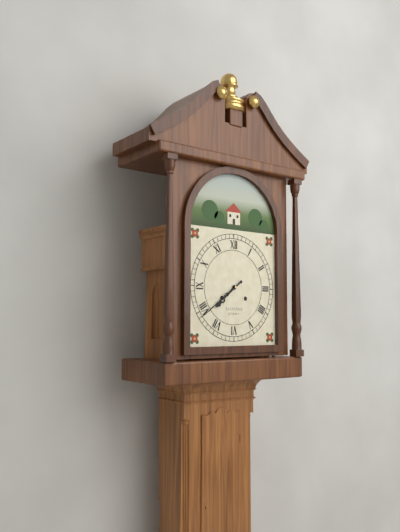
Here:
7,39
